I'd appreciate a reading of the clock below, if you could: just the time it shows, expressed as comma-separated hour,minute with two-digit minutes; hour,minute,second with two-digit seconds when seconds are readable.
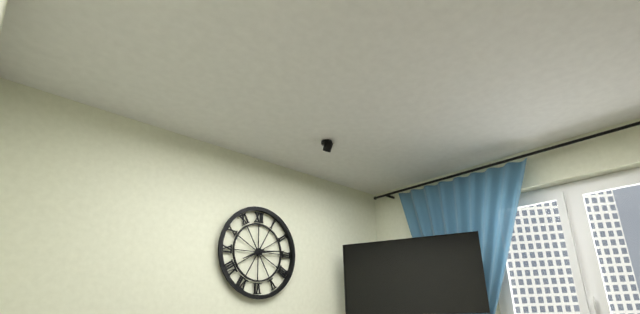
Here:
8,14
